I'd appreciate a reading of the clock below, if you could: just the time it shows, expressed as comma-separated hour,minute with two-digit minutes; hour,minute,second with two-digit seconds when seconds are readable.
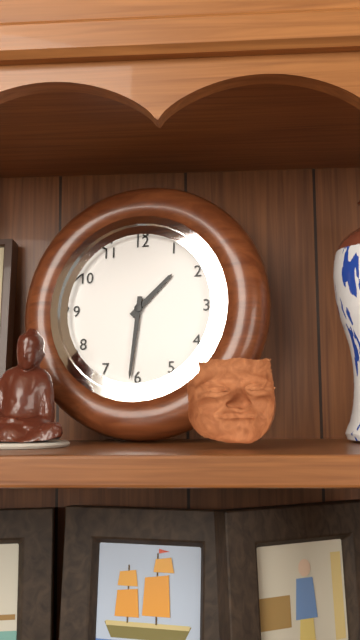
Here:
1,31
